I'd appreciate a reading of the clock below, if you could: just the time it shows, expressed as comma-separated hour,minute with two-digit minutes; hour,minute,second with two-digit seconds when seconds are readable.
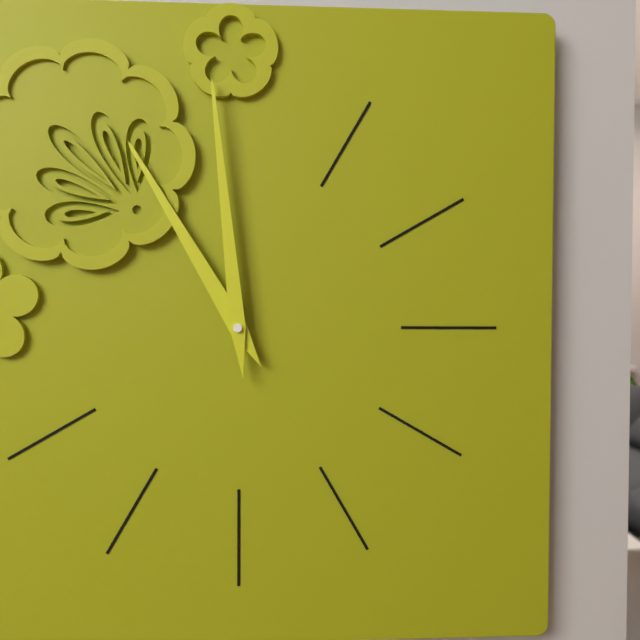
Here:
10,59
